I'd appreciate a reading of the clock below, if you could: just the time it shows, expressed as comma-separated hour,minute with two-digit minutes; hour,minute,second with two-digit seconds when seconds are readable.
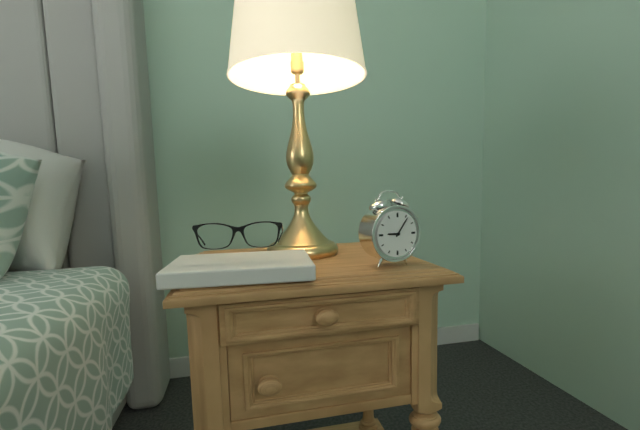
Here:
9,06
